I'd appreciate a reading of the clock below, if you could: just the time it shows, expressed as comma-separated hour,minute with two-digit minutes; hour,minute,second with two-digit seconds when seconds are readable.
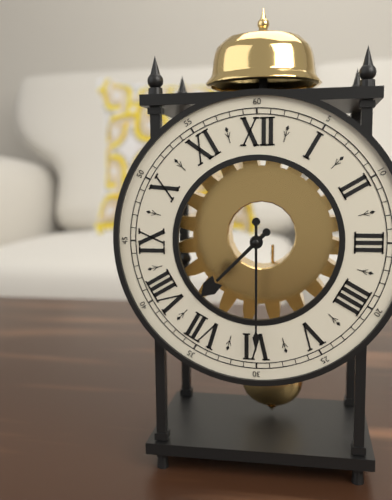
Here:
7,30
